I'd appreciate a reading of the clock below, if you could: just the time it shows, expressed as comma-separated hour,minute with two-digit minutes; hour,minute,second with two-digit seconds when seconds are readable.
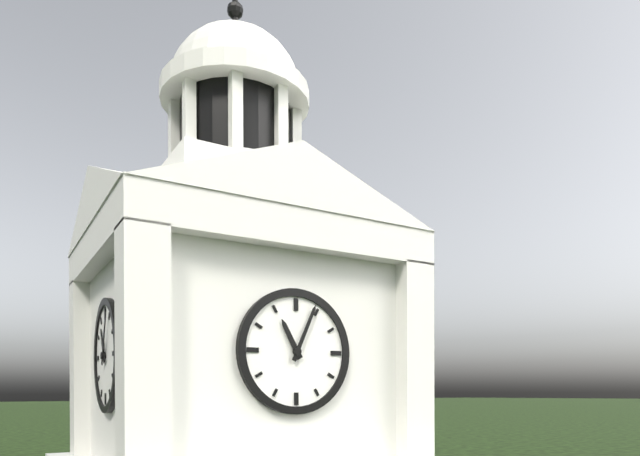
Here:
11,04
